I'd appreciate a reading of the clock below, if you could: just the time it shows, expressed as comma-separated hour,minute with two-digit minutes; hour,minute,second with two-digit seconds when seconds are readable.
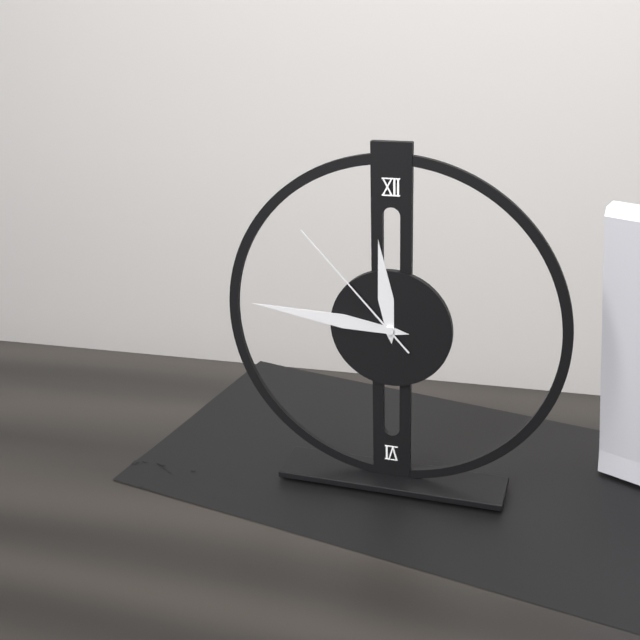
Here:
11,46,53
